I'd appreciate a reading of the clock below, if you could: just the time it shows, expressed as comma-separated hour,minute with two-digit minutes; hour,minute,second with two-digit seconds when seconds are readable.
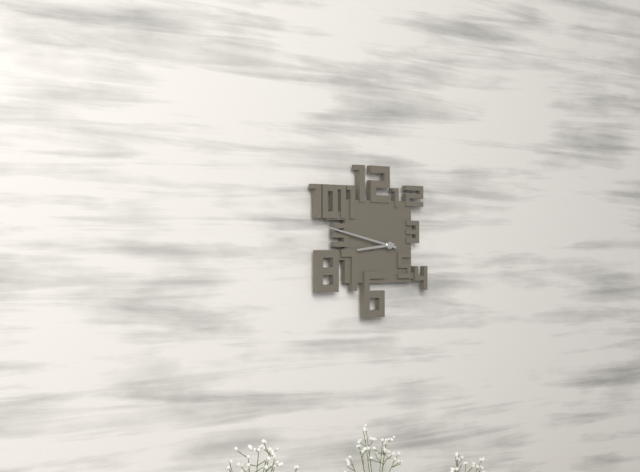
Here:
8,47
